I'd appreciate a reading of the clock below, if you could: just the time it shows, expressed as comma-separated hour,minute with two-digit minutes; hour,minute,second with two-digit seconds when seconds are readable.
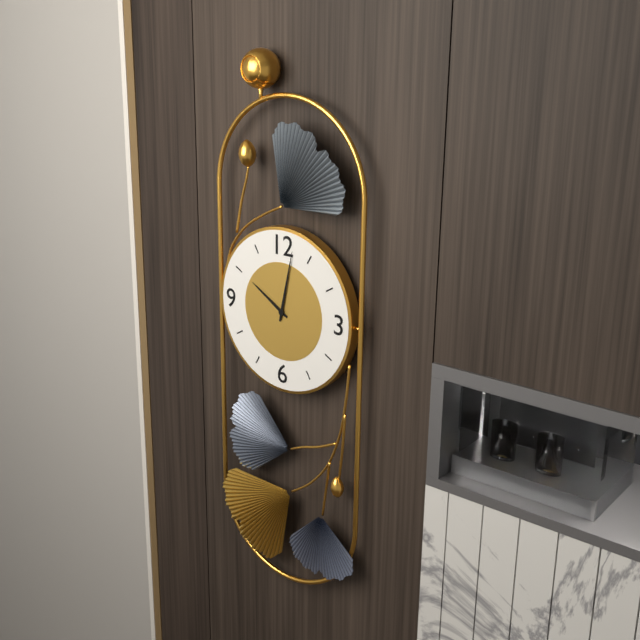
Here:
10,02
